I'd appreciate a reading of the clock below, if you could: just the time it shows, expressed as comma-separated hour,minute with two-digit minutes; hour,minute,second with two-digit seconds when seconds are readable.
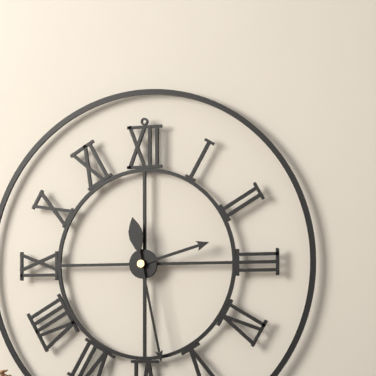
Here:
2,28
